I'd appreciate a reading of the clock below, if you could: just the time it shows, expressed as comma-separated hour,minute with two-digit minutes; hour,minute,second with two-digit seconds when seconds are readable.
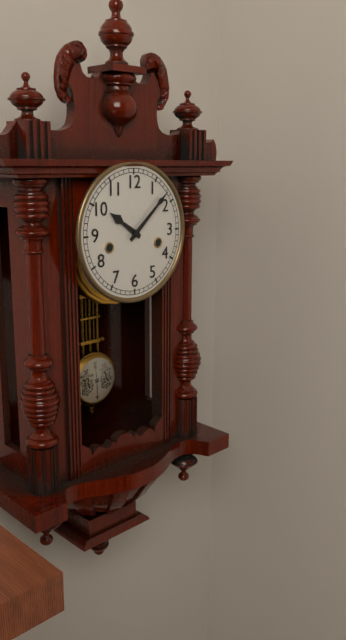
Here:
10,08
